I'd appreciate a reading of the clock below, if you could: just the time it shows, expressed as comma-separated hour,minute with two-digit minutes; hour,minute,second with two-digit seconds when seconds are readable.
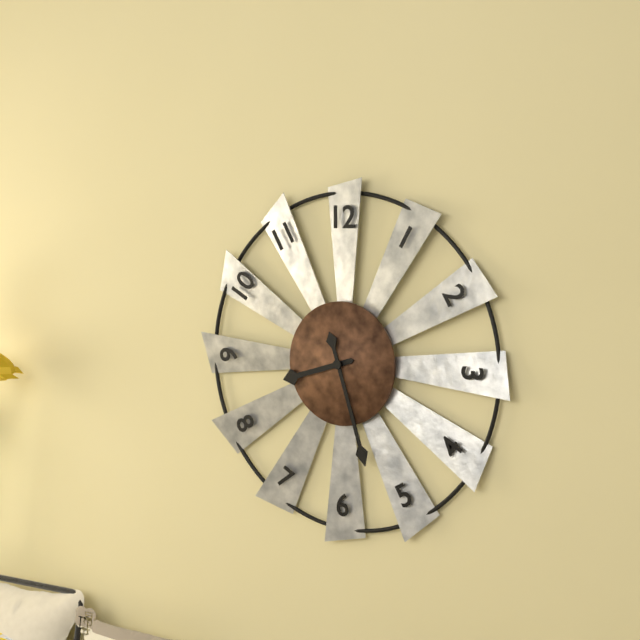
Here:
8,27
